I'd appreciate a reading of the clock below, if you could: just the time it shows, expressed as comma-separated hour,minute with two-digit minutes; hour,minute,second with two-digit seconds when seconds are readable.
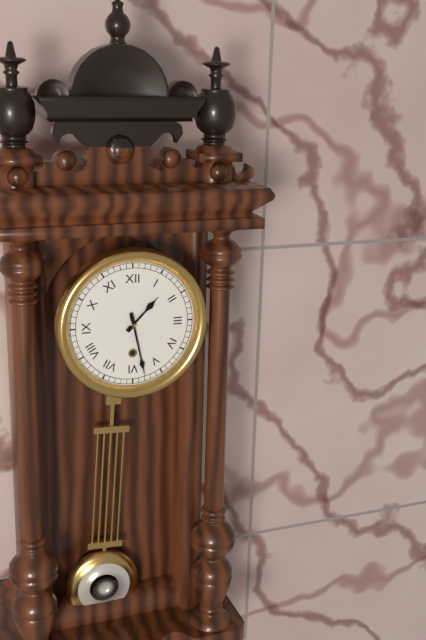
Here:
1,28
